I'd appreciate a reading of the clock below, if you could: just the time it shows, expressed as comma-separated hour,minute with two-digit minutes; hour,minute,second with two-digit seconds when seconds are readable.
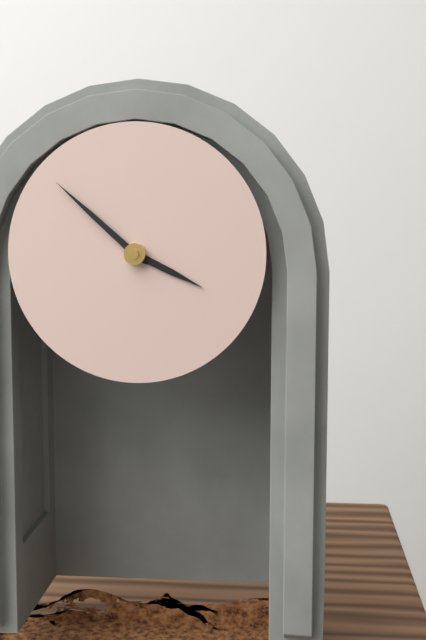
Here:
3,52
